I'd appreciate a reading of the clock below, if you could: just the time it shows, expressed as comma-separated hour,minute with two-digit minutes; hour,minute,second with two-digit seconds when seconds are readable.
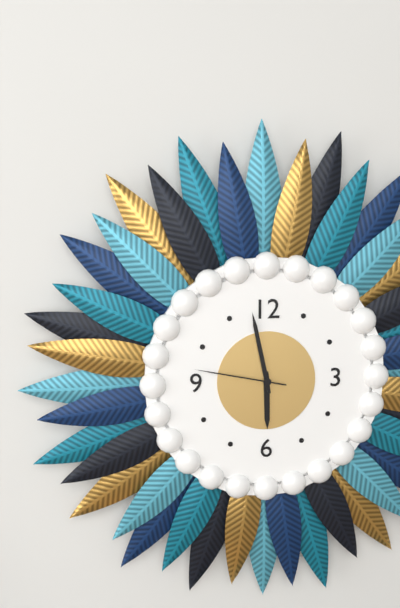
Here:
5,58,47
